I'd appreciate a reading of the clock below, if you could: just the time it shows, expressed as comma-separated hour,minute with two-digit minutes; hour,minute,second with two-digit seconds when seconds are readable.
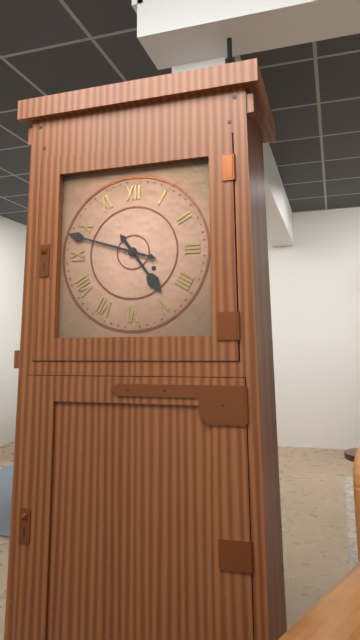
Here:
4,48
